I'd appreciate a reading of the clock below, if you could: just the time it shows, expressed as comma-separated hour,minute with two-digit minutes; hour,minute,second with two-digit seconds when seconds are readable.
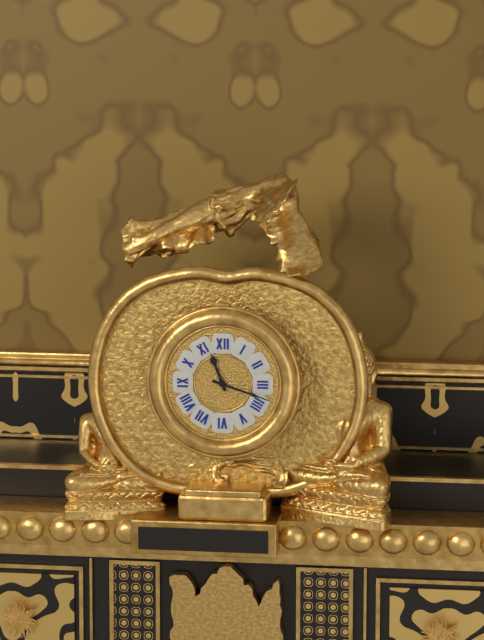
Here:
11,18
